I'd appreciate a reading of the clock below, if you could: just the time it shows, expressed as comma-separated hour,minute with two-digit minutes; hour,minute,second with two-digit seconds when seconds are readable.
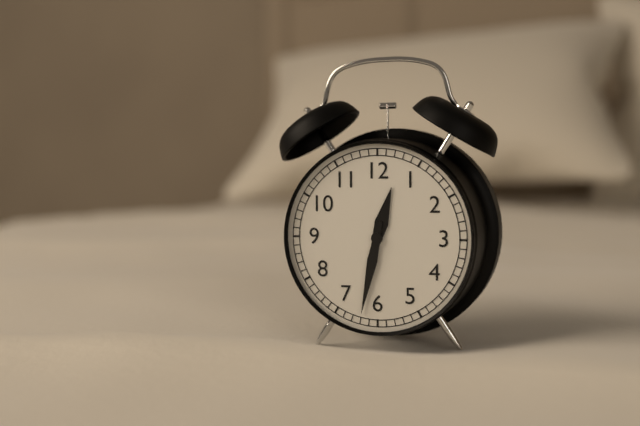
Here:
12,32
